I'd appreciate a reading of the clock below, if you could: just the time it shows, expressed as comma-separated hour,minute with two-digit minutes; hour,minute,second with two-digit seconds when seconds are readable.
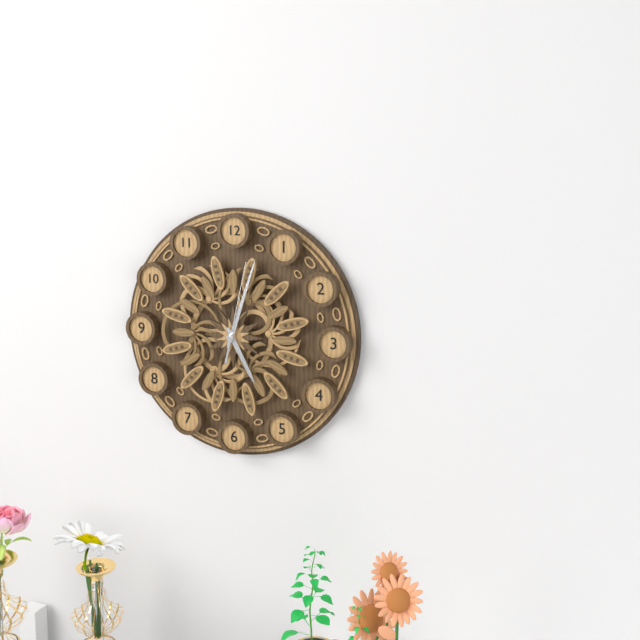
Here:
5,03,02
